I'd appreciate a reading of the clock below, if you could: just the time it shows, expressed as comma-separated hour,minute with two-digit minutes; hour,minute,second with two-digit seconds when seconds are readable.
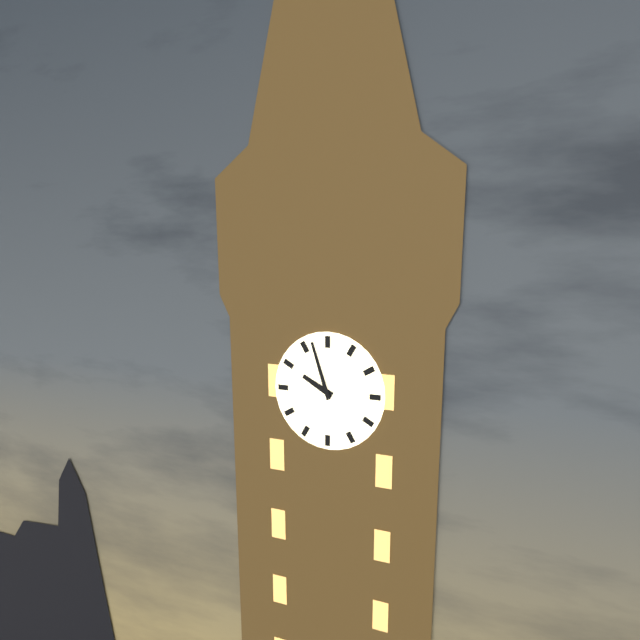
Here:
9,57
